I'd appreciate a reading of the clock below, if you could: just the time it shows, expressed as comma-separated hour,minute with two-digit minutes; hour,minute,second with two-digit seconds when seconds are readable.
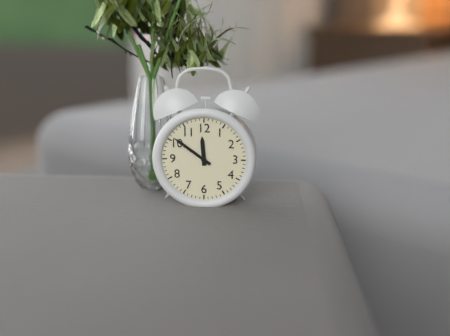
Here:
11,51
